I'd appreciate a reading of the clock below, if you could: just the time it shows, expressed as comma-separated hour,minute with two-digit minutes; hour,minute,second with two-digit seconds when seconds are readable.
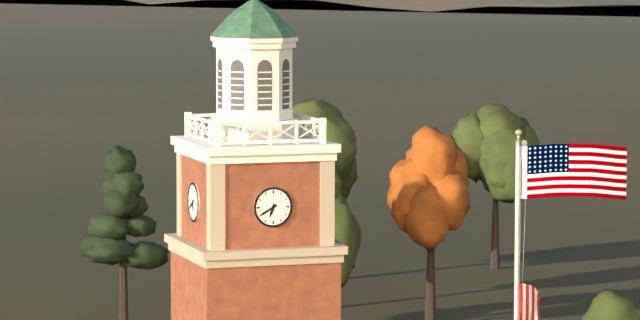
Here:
6,40
